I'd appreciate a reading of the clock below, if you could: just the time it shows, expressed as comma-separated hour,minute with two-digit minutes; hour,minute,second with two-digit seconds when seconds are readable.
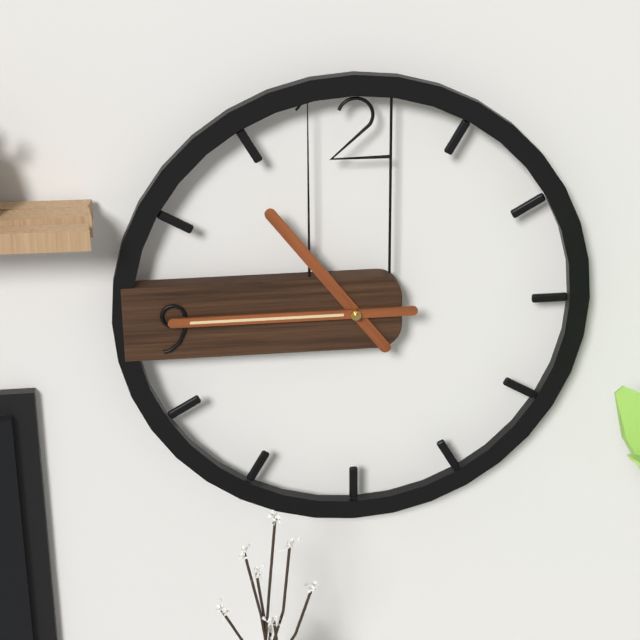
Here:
10,45
